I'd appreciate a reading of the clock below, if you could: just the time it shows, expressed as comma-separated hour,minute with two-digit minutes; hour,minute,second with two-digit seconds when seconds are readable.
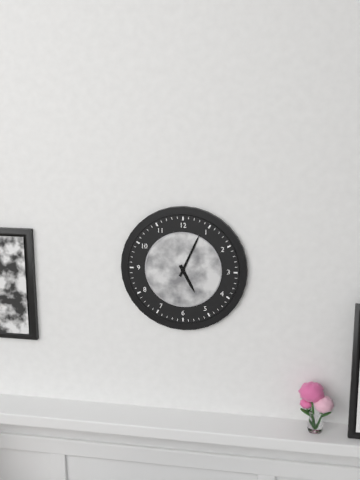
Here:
5,04
